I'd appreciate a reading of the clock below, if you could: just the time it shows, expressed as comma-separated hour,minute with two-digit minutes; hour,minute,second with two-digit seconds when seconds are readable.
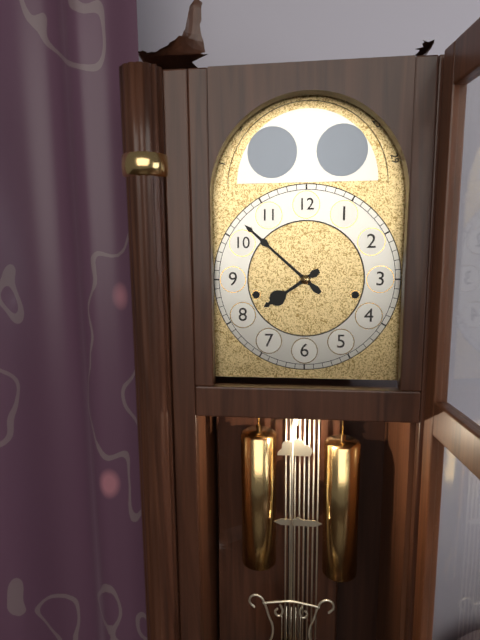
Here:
7,52
